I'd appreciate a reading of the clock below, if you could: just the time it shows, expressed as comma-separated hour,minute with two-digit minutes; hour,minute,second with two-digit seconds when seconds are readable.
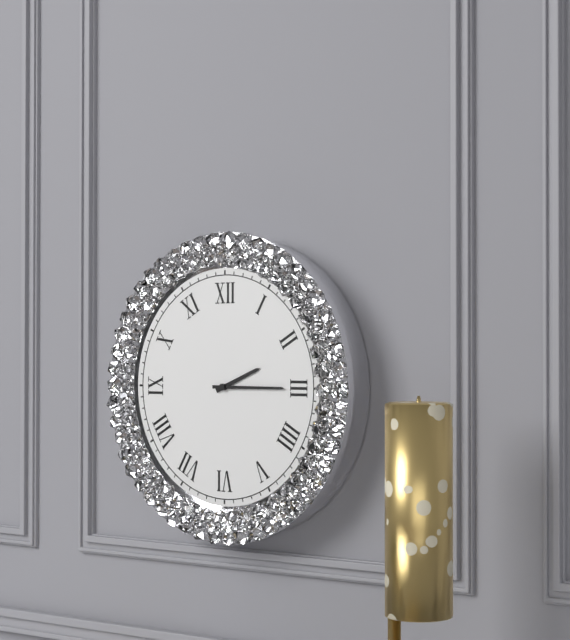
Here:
2,15
